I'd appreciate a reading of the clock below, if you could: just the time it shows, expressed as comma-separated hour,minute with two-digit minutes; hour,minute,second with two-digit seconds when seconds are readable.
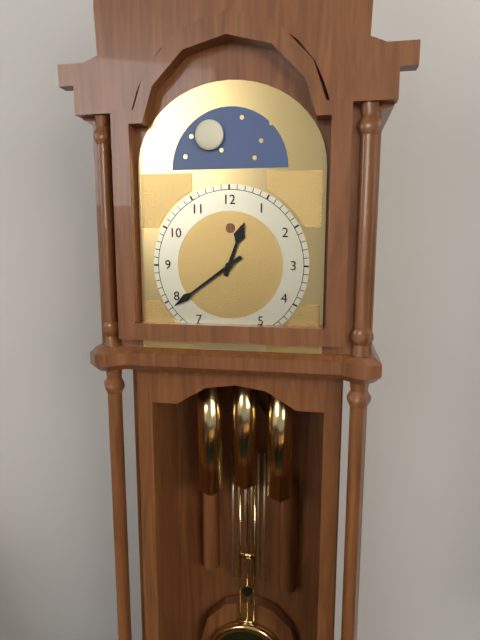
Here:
12,39
